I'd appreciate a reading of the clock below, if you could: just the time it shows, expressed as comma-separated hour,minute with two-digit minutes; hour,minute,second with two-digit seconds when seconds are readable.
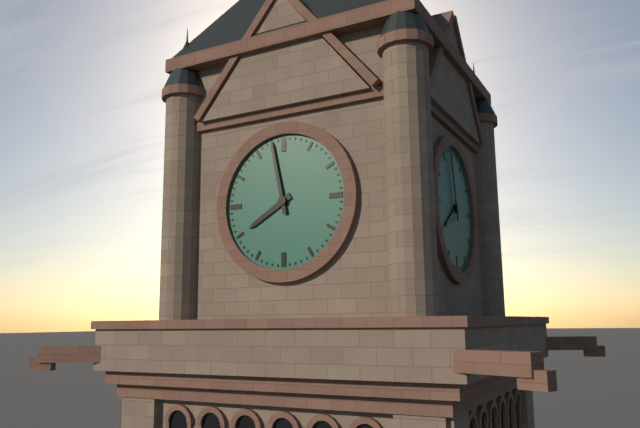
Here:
7,58
